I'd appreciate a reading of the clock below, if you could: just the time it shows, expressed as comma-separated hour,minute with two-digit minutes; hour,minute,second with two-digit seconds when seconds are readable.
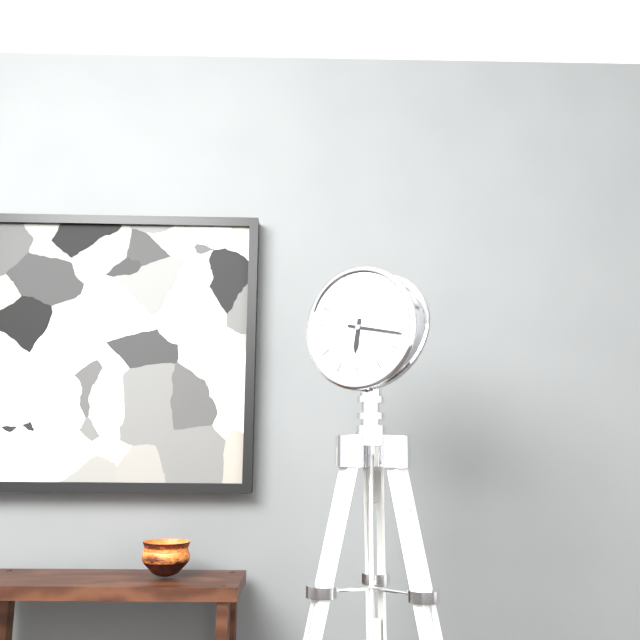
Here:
6,17
